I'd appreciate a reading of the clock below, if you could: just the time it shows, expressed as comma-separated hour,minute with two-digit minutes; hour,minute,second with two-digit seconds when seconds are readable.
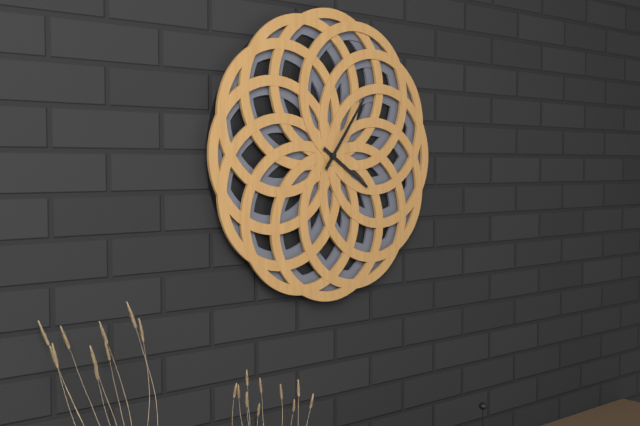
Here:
4,06
